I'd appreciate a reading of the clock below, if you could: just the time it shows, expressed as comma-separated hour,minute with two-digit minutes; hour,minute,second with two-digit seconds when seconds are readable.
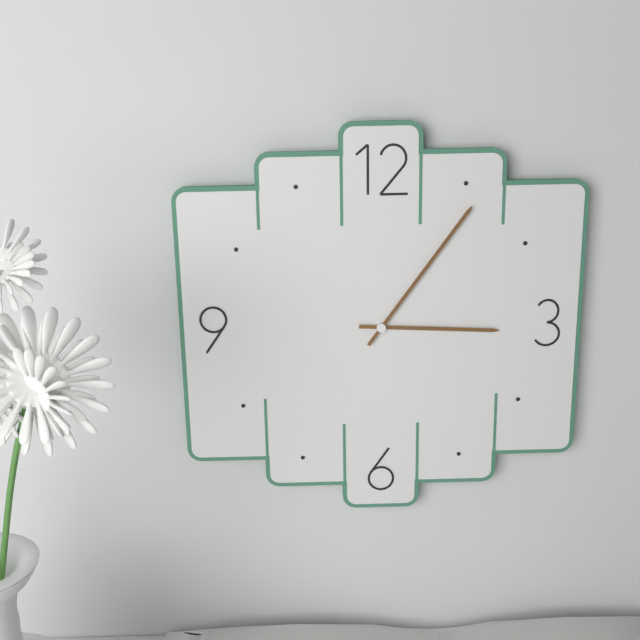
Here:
3,06
